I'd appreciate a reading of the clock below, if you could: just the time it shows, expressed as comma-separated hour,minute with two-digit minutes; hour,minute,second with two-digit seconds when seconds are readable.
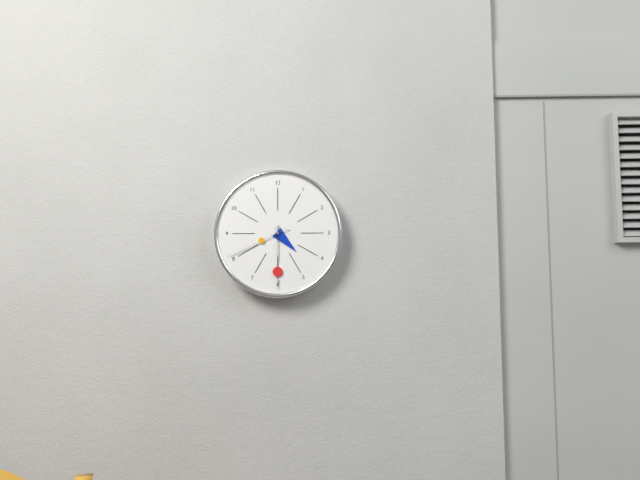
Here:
4,30,41
